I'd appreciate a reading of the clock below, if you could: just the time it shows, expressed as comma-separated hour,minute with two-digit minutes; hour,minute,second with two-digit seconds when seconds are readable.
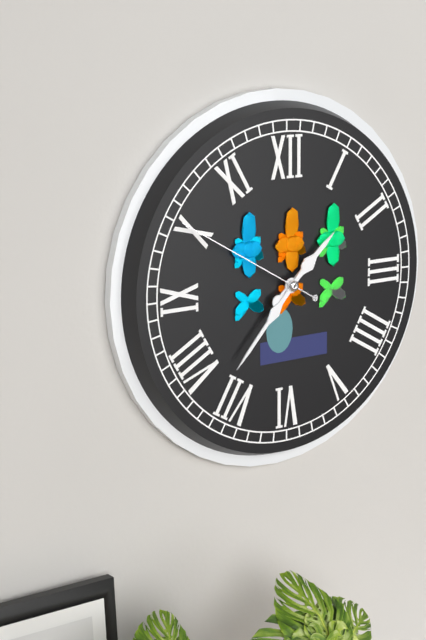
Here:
1,37,50
